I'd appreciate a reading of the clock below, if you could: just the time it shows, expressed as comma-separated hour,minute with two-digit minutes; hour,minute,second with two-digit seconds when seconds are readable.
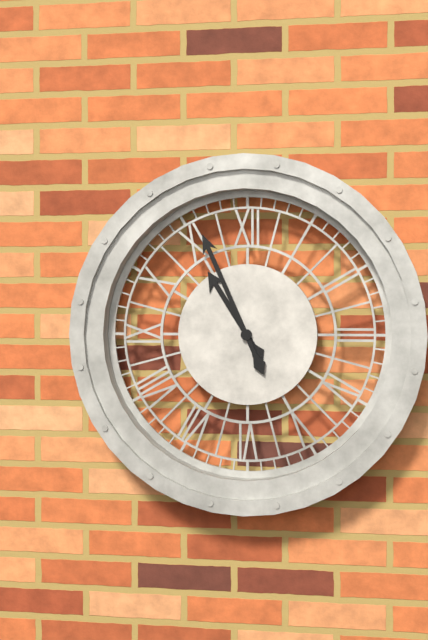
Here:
10,56
